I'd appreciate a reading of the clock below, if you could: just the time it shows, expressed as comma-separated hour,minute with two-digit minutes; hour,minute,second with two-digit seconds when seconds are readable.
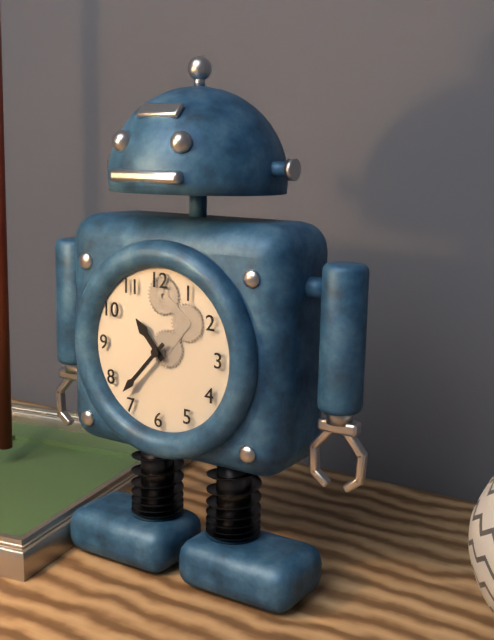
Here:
10,37
